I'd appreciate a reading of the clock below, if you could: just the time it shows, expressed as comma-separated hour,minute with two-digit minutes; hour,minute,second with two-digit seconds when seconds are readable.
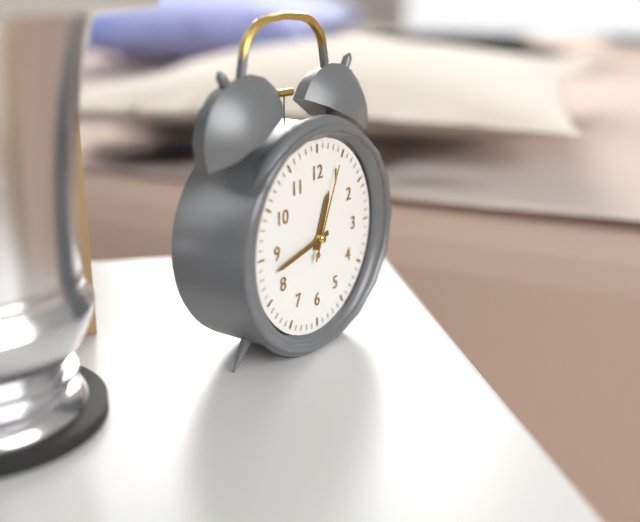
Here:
12,43,04
